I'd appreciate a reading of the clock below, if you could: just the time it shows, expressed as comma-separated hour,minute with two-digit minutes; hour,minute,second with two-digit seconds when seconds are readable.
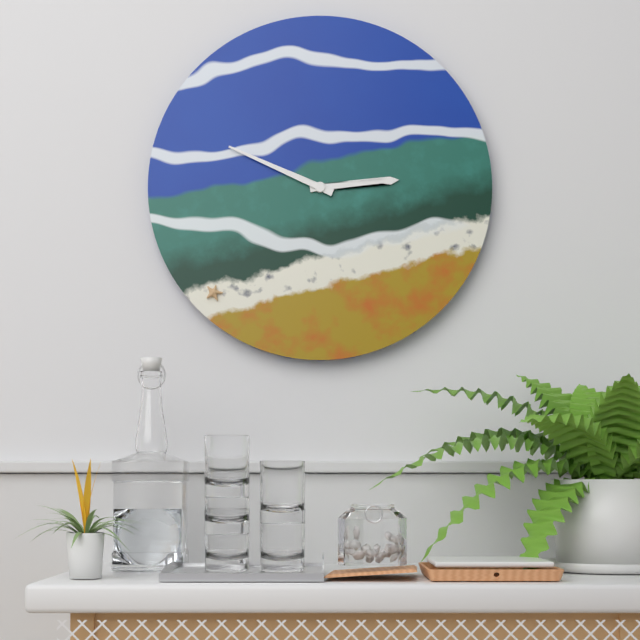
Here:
2,49
